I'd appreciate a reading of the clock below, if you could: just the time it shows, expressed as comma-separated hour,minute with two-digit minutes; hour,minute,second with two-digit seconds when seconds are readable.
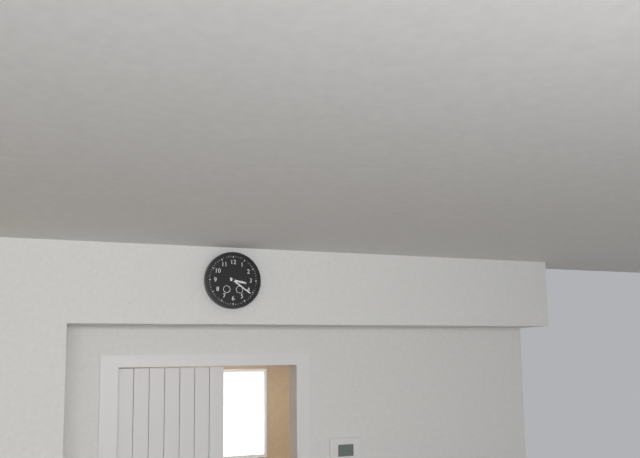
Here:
3,21
